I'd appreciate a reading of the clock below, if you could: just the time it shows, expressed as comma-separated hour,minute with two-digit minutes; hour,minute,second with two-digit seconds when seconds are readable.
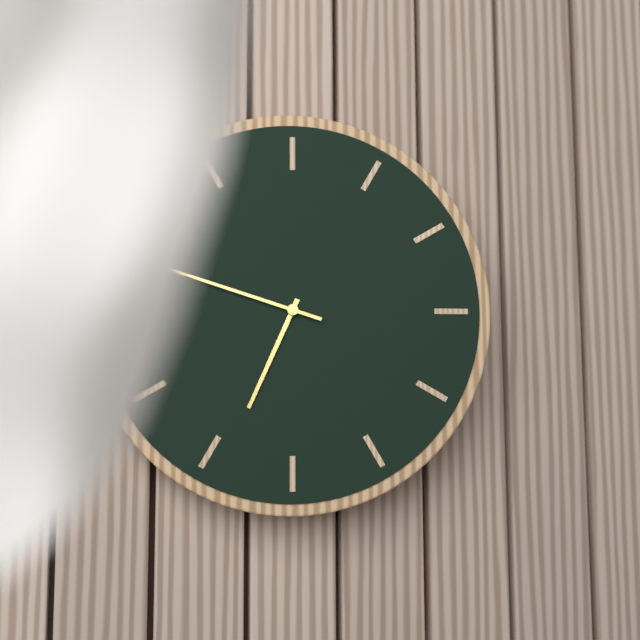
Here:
6,48
